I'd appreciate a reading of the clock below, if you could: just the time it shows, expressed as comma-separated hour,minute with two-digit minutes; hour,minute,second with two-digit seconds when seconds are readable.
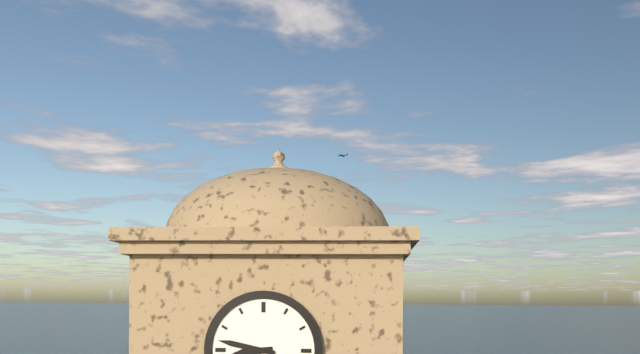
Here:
8,47
